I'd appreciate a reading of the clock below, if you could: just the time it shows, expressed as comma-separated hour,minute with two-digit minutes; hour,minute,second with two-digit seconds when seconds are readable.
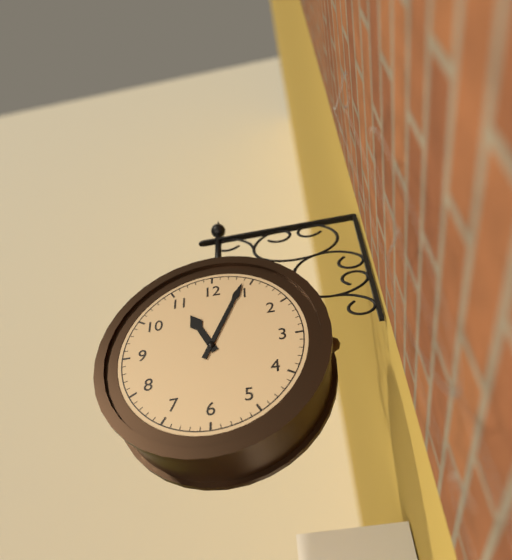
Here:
11,04
